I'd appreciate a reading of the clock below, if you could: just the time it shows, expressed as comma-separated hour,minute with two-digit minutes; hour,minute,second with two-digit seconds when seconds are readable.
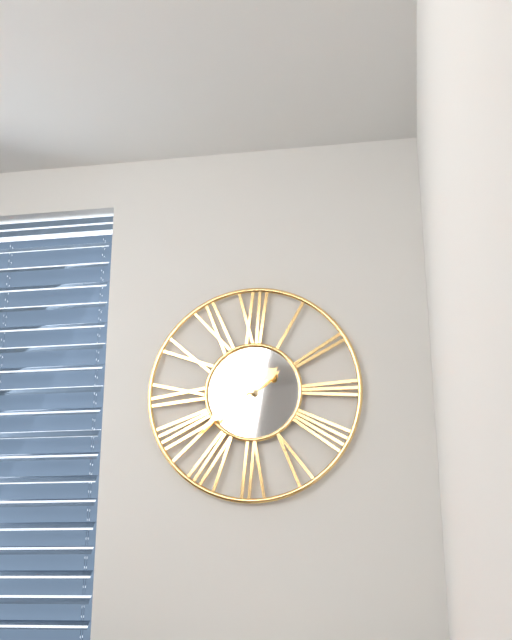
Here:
1,39
